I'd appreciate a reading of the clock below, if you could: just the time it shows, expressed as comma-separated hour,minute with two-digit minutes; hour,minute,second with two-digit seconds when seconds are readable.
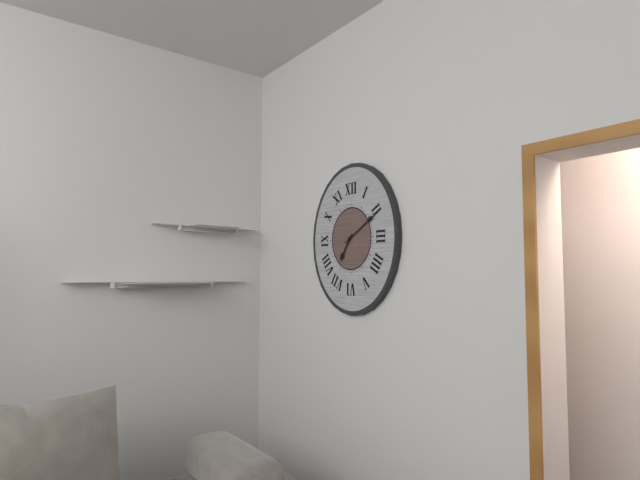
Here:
7,10
